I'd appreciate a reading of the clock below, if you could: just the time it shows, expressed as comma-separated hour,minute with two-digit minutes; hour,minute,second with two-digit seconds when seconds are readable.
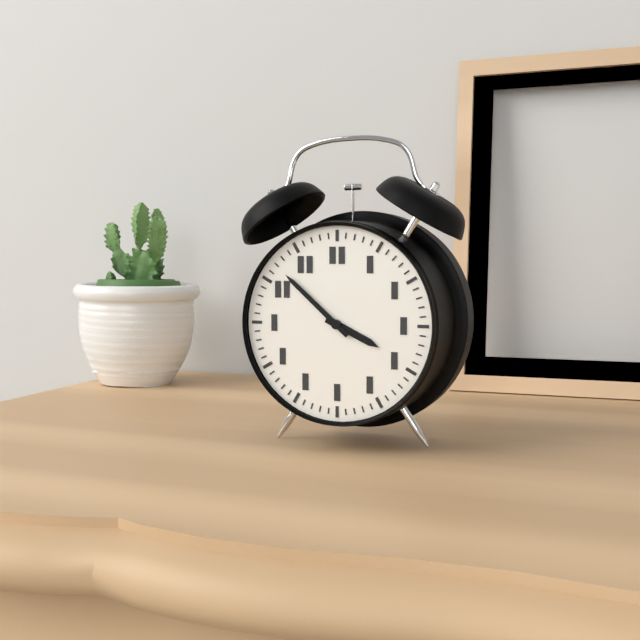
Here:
3,52
